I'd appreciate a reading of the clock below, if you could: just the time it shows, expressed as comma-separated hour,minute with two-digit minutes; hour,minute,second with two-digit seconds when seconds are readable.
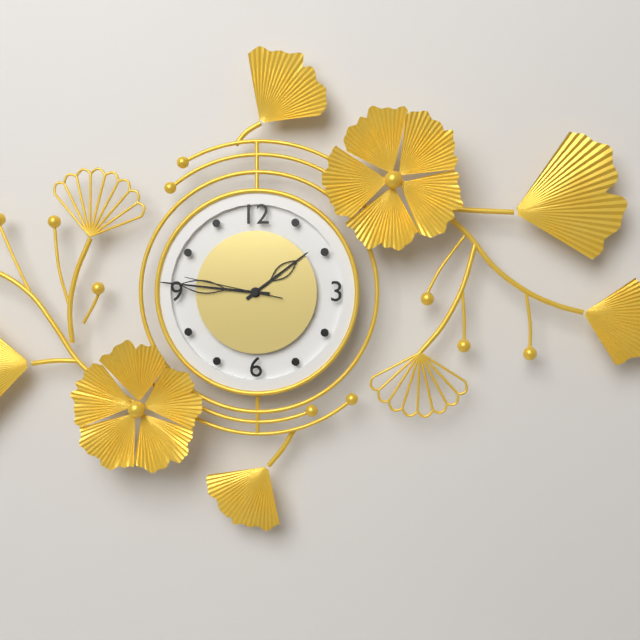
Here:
1,46,47
